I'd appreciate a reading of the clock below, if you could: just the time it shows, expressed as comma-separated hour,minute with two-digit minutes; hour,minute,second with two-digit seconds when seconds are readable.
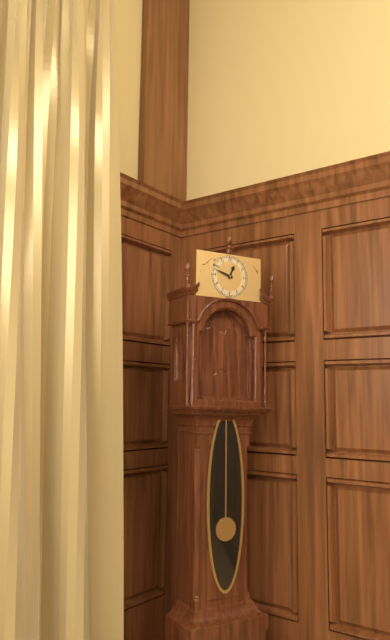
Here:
12,48
